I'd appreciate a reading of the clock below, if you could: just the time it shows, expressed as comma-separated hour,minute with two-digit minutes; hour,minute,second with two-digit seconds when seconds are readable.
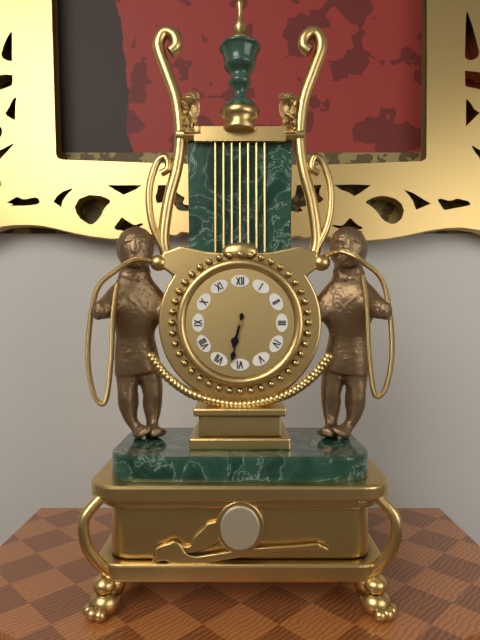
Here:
6,32
